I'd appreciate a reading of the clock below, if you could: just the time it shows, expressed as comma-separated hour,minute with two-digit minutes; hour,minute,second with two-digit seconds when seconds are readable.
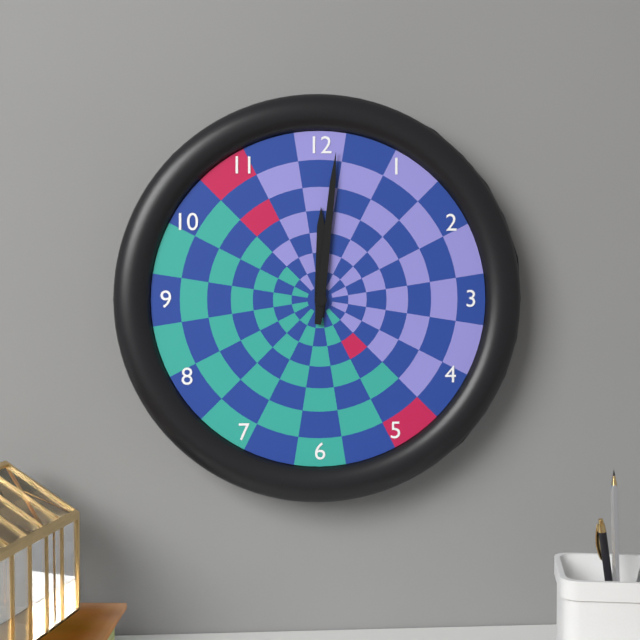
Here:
12,01
